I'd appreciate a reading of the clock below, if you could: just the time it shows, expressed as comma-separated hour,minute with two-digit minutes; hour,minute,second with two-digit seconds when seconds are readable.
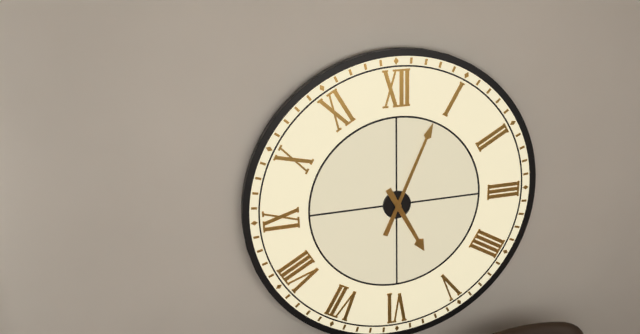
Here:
5,04
